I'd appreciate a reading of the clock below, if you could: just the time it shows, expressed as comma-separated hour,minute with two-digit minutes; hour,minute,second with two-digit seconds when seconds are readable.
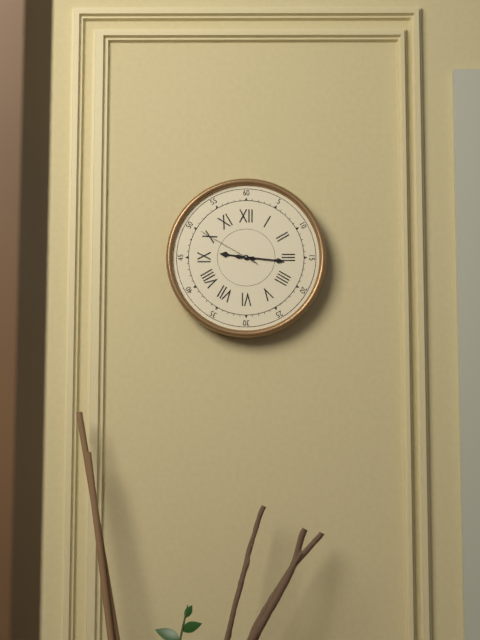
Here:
9,16,50
